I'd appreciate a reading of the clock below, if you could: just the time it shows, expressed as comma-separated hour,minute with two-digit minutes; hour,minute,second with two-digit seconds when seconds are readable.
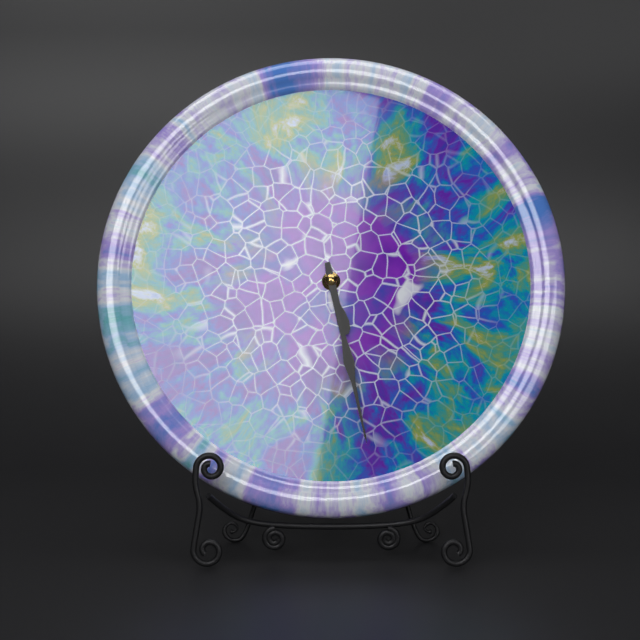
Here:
5,28
